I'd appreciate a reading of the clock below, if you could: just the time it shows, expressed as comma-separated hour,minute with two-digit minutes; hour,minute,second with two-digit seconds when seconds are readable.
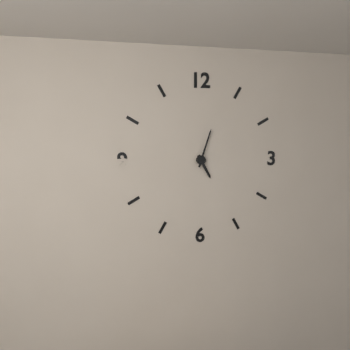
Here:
5,03
